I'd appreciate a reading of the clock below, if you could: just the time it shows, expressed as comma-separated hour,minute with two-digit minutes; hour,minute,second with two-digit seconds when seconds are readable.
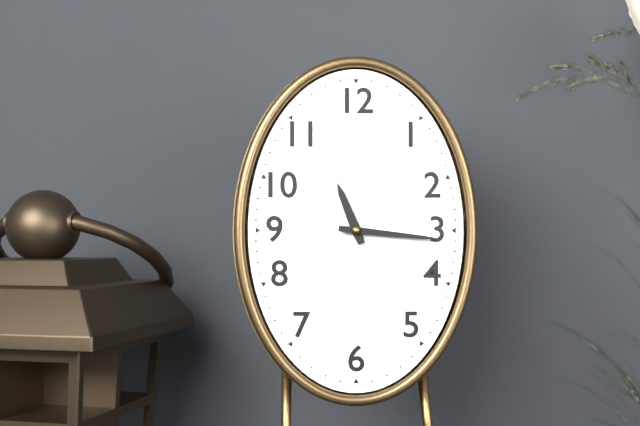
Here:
11,16
